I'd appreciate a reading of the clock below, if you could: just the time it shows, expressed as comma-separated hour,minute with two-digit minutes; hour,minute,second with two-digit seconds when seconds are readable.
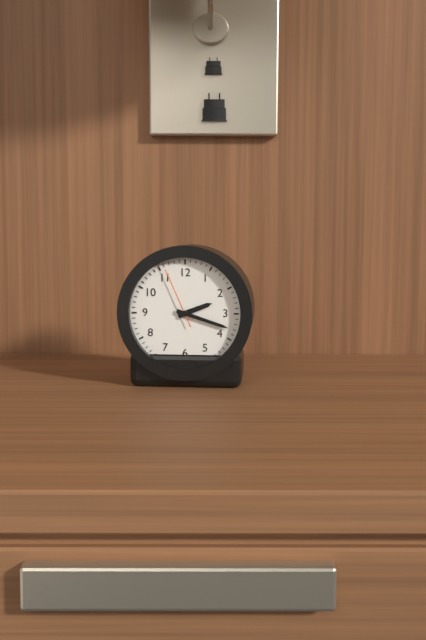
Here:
2,18,56
